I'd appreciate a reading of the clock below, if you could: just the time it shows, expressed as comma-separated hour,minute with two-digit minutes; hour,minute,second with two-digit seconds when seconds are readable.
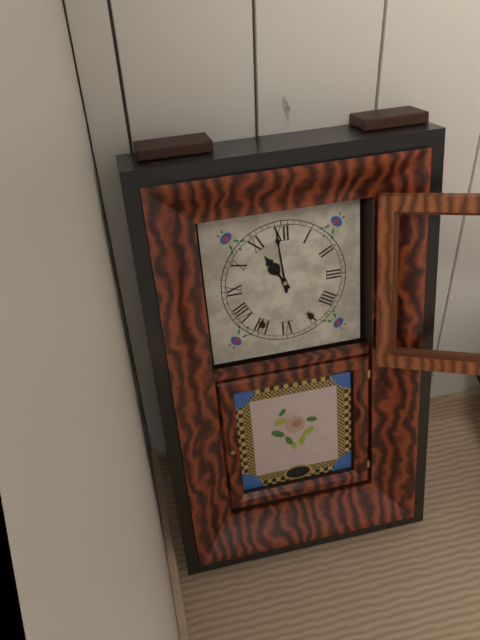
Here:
10,59
